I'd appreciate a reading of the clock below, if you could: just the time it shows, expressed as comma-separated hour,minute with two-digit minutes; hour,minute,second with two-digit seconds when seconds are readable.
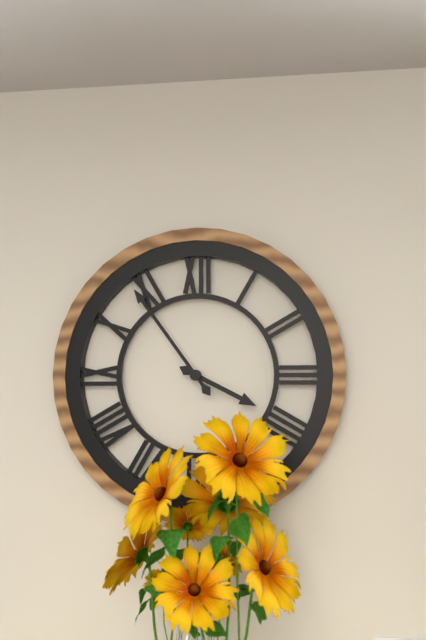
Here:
3,54
